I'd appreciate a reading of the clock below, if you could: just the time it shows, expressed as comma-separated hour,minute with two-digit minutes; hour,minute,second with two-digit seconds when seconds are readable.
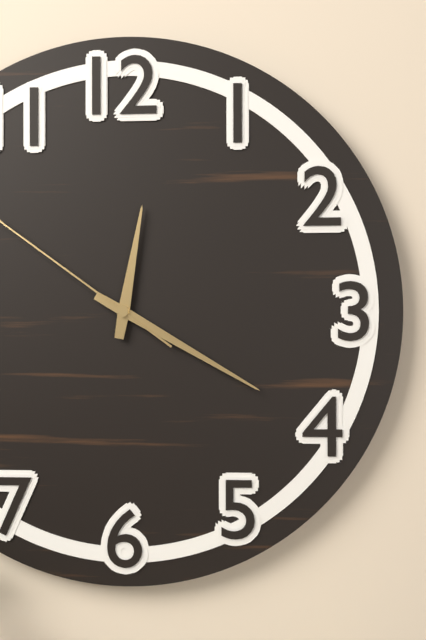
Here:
12,20
